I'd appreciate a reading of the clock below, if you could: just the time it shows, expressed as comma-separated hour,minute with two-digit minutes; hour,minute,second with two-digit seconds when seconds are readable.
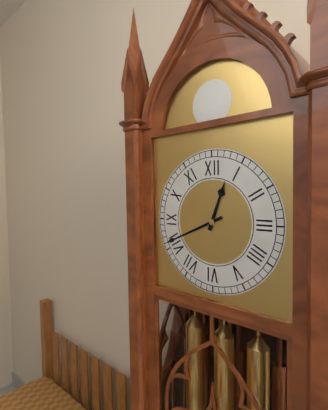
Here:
12,41
